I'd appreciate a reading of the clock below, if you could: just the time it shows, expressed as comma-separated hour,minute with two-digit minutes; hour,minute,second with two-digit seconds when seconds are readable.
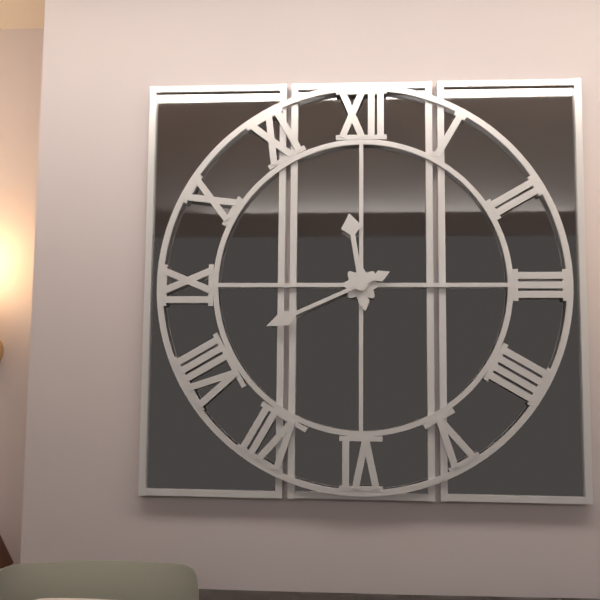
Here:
11,41
